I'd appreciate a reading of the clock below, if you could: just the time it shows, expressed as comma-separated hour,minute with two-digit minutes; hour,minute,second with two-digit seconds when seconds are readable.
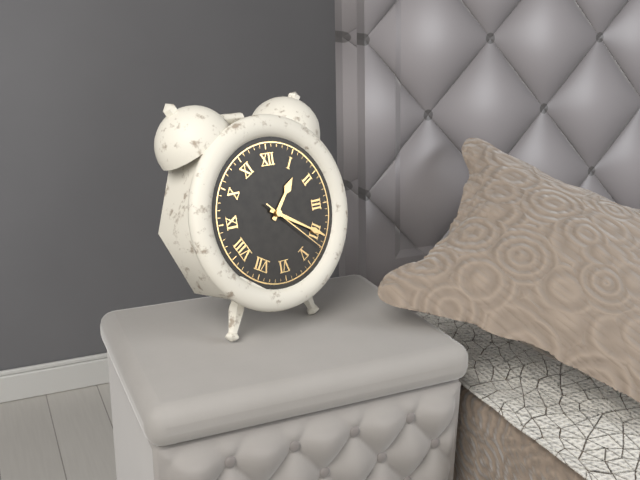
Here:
1,20,22
